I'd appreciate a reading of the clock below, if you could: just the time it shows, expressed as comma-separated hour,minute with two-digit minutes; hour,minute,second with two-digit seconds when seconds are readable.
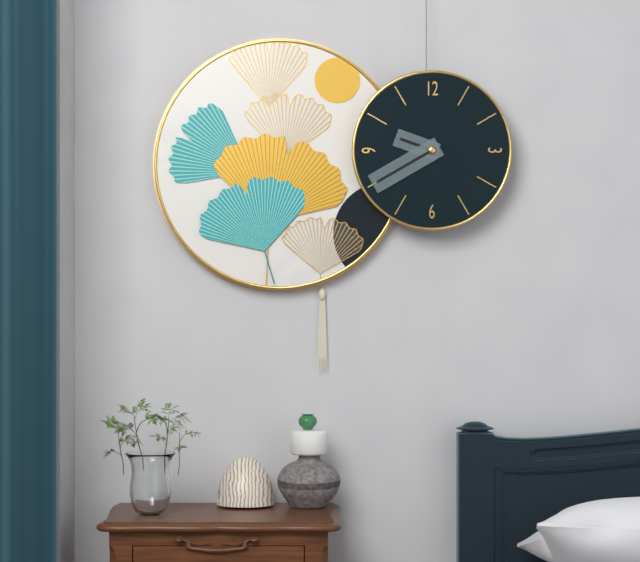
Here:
9,40
